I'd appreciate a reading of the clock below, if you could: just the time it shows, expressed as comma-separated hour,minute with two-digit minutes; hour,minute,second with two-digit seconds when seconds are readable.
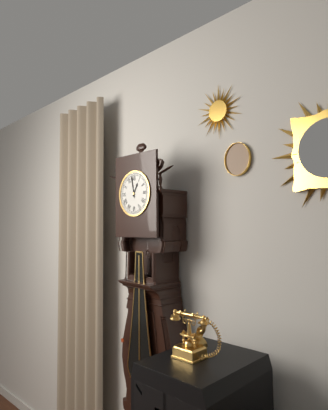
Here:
12,58
